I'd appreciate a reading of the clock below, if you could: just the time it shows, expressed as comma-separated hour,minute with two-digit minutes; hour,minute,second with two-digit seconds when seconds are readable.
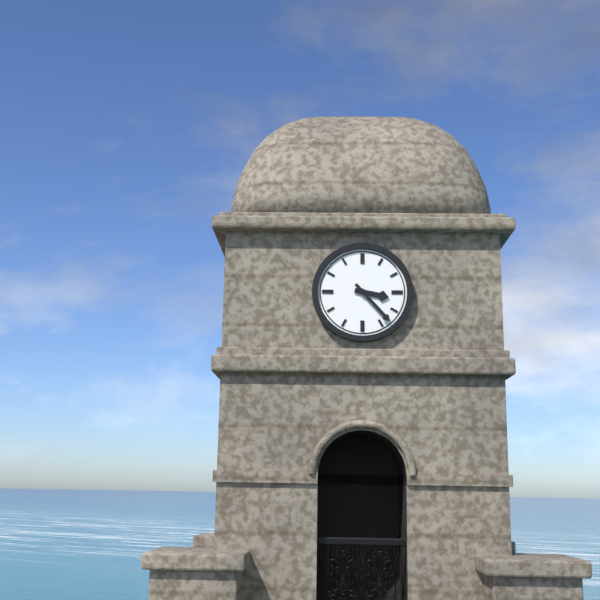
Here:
3,23
